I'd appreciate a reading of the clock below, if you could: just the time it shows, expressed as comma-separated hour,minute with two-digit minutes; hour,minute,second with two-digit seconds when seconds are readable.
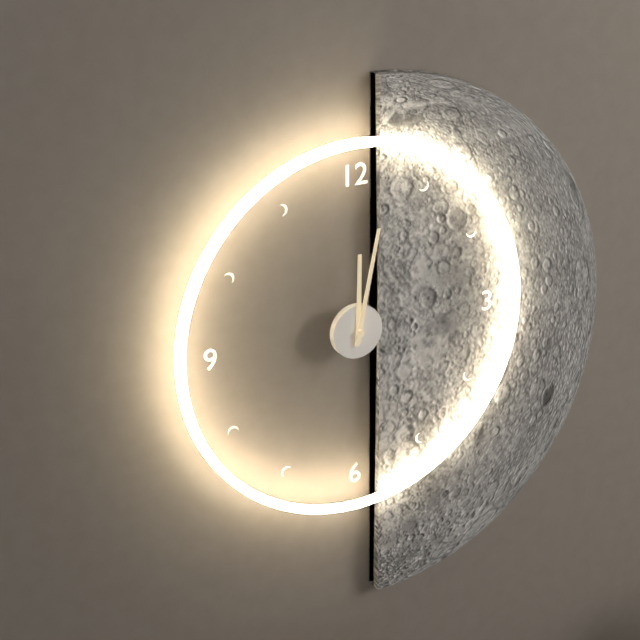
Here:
12,02
